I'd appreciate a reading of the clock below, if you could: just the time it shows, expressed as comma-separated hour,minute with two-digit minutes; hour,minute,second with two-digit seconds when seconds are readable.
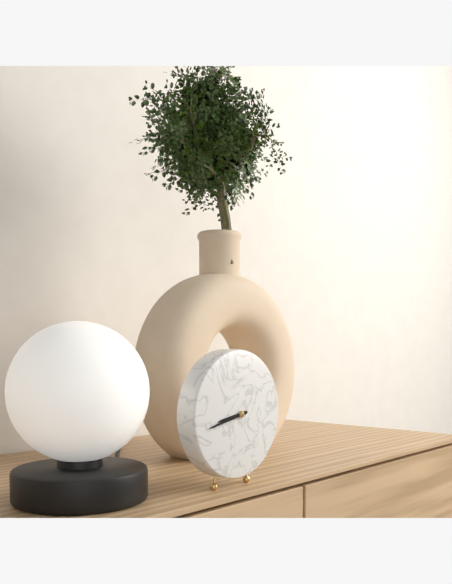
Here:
8,43
